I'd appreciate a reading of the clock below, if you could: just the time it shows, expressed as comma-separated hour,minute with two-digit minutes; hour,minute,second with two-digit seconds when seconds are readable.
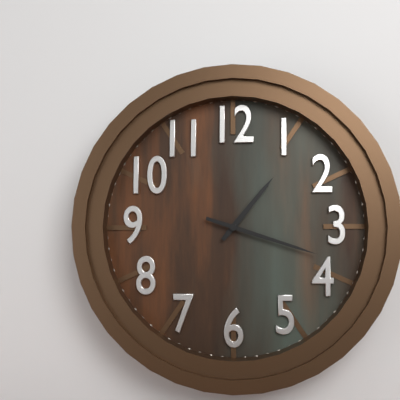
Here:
1,18
